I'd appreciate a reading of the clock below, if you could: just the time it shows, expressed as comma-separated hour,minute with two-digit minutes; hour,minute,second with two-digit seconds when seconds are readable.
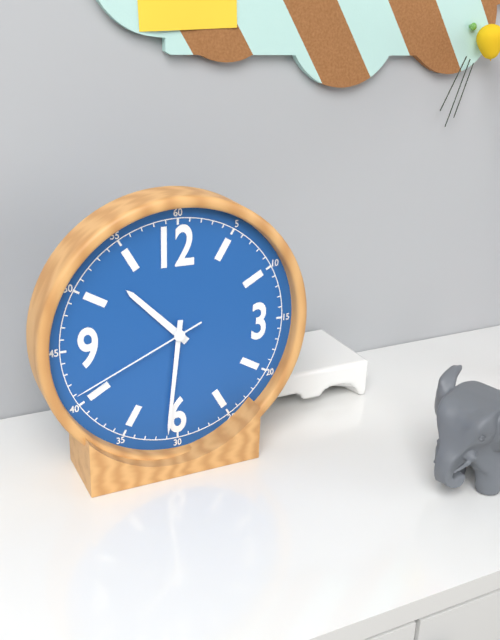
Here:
10,31,41
